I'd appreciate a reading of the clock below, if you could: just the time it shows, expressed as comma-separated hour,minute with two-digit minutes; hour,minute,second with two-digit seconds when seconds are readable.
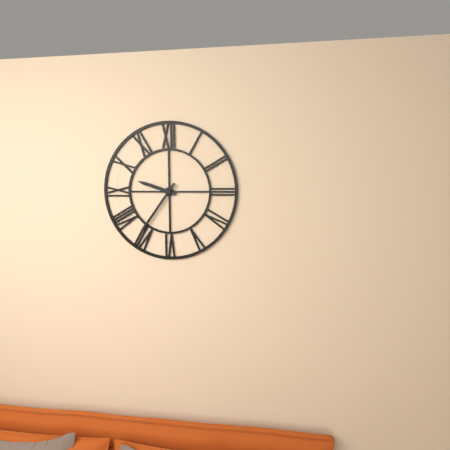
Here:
9,36
